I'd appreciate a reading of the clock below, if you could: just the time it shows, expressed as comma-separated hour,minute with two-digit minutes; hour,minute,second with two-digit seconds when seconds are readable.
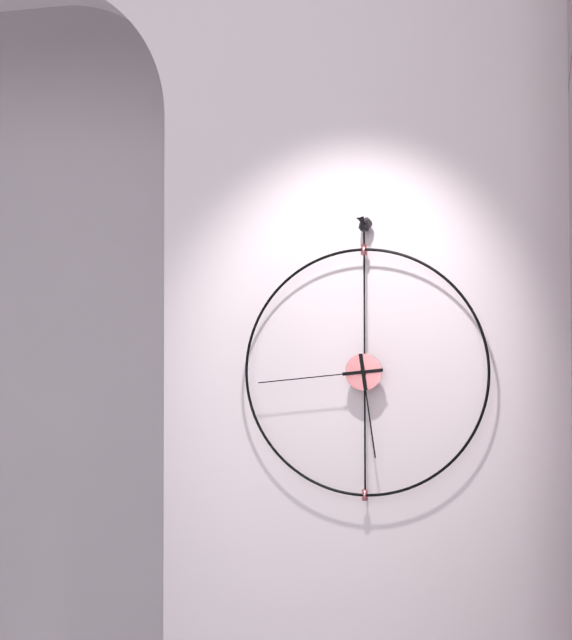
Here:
5,44
